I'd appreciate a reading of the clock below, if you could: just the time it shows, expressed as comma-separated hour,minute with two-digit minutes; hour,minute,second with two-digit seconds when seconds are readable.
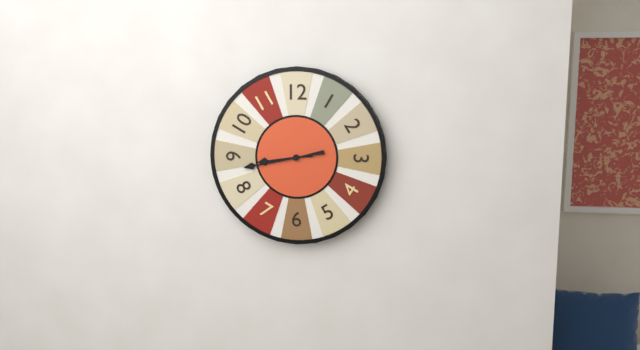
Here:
8,43
